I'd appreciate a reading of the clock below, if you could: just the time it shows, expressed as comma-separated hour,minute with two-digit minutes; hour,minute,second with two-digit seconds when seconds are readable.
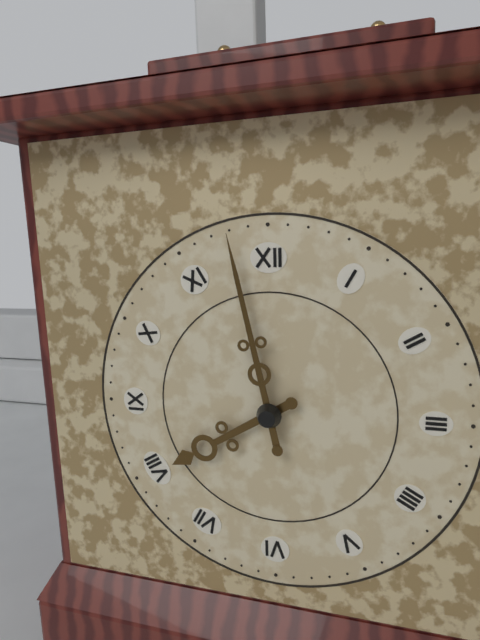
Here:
7,58
